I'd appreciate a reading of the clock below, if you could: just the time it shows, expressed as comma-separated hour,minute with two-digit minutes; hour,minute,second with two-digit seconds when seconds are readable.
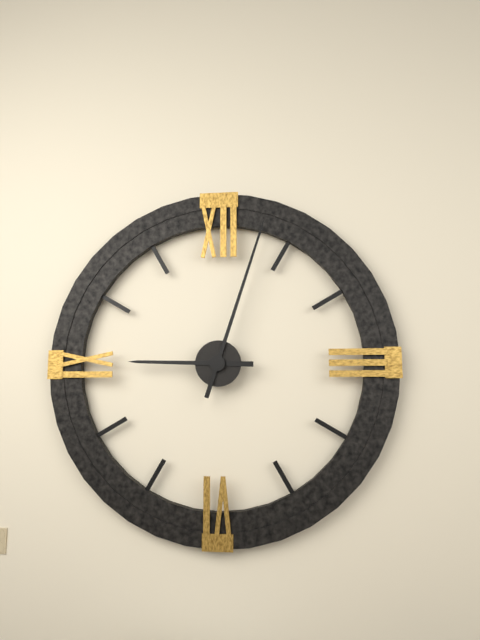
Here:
9,03
